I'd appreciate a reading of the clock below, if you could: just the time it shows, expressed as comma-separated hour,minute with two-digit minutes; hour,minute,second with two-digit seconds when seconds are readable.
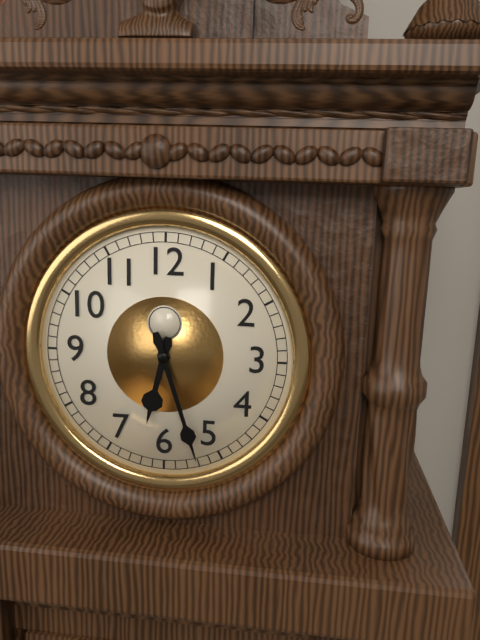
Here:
6,27
